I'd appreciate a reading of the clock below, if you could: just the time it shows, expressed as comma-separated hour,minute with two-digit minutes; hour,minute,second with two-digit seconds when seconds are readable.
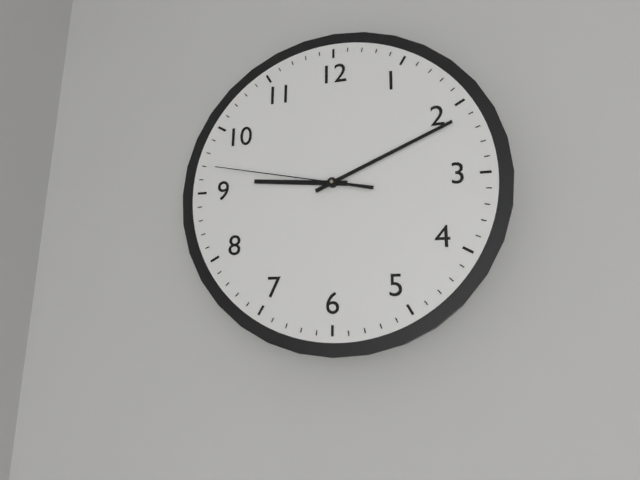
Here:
9,11,47
